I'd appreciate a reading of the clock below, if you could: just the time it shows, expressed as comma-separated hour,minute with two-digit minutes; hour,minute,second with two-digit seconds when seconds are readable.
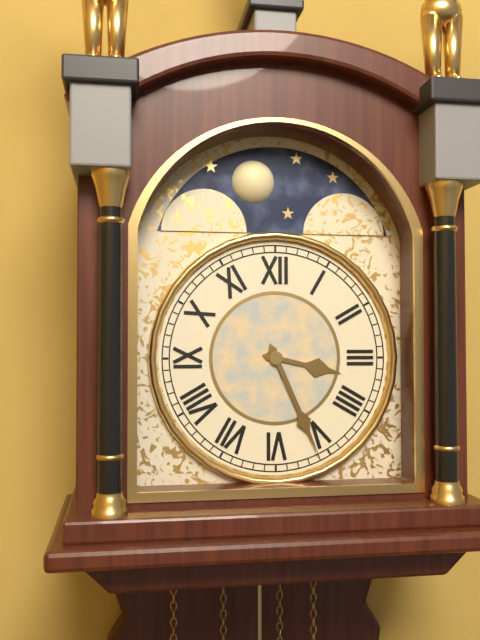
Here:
3,26
